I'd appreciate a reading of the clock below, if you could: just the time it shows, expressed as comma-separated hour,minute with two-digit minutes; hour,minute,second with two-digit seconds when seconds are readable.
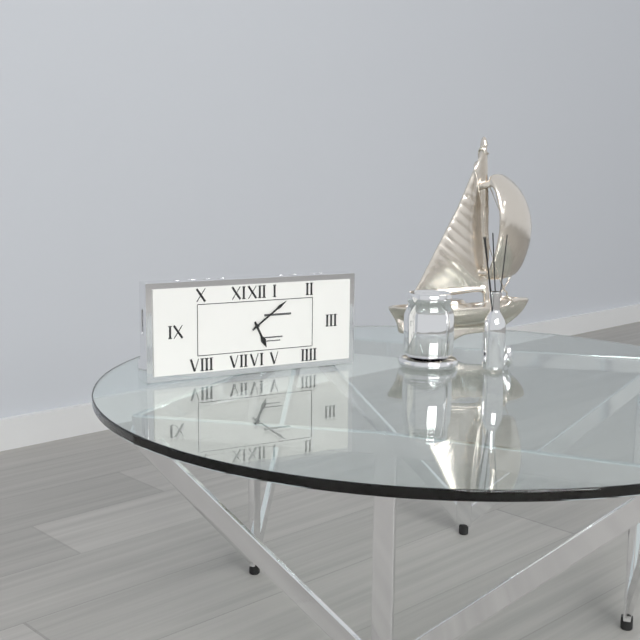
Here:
5,09
